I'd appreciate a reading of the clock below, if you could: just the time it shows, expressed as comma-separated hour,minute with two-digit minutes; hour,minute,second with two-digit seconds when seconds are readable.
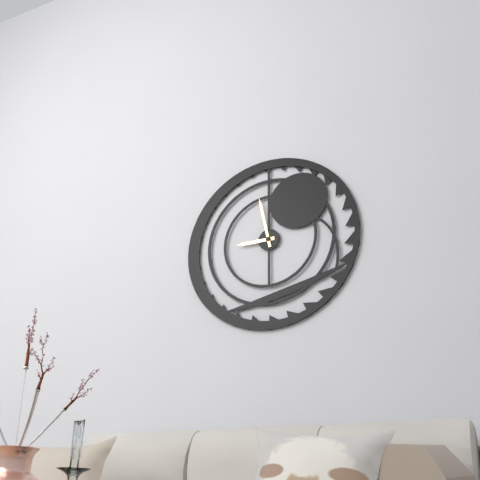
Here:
8,58
